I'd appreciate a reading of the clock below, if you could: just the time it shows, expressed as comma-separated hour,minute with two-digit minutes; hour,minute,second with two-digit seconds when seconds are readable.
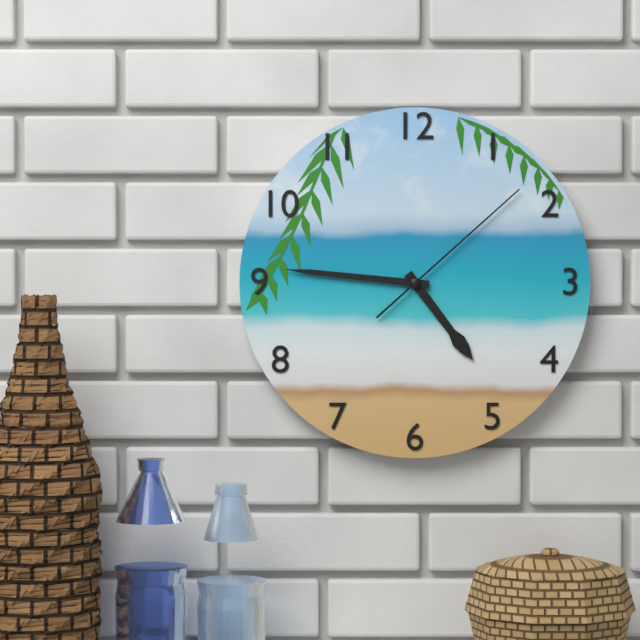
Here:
4,46,08
